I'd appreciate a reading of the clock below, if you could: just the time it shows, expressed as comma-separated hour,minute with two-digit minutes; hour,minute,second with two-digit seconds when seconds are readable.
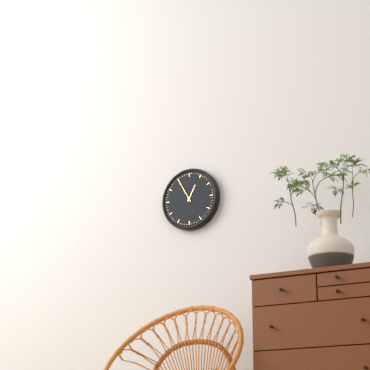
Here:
12,55
